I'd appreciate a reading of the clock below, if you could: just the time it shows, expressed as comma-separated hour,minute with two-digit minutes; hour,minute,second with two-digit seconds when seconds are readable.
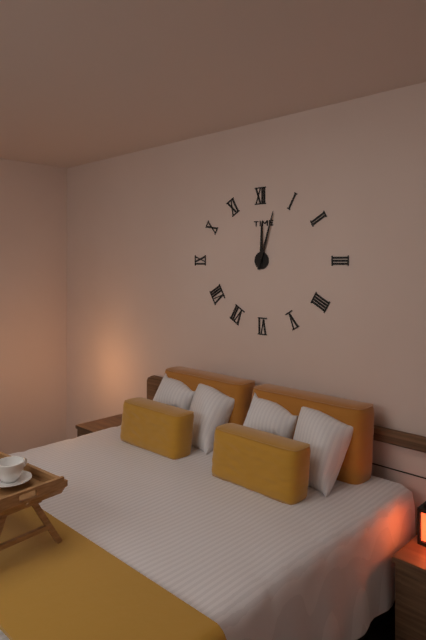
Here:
12,03
